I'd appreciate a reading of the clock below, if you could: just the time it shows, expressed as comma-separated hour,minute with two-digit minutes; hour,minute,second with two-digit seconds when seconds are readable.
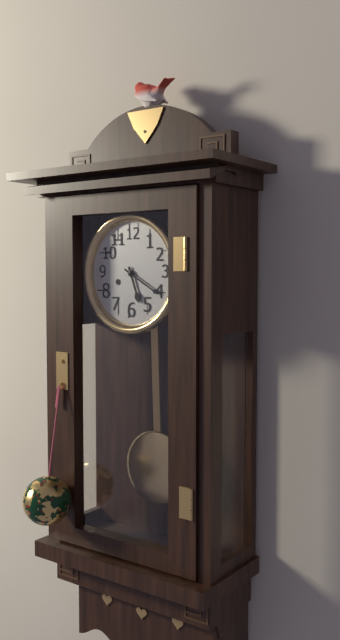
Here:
5,20
